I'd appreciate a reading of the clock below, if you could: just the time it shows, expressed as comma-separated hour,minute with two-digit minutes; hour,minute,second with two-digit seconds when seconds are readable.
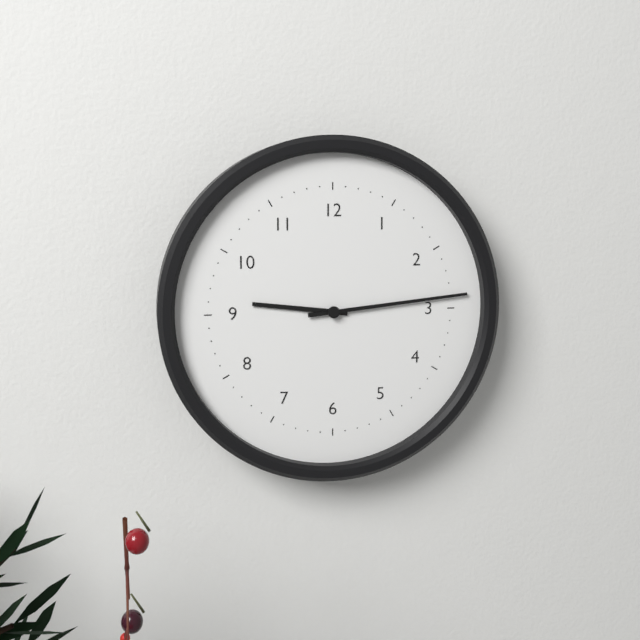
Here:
9,14
